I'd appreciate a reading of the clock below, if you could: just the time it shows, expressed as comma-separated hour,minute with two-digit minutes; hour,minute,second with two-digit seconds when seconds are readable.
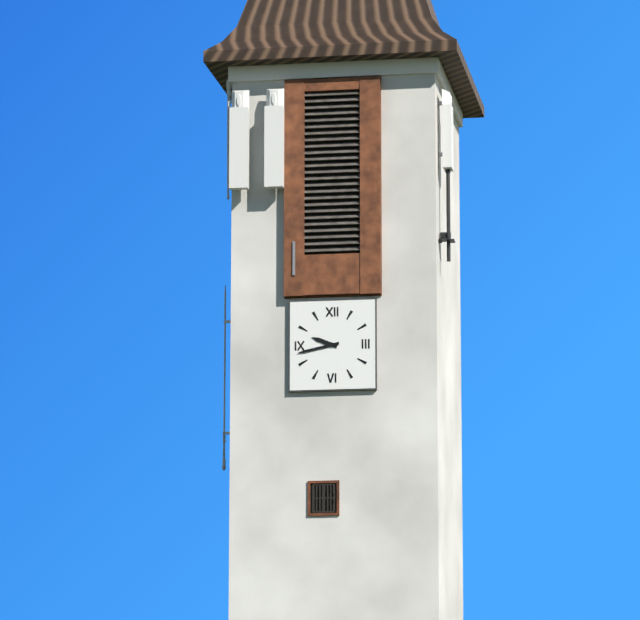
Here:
9,43
